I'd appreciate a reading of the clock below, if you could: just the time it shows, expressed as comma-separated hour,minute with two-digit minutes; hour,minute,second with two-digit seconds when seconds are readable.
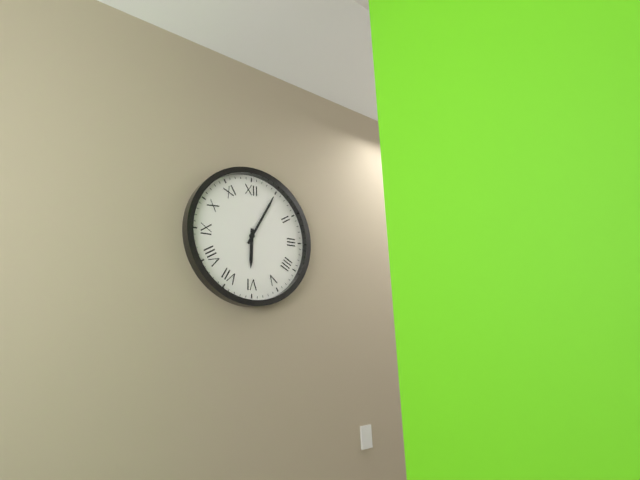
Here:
6,05
